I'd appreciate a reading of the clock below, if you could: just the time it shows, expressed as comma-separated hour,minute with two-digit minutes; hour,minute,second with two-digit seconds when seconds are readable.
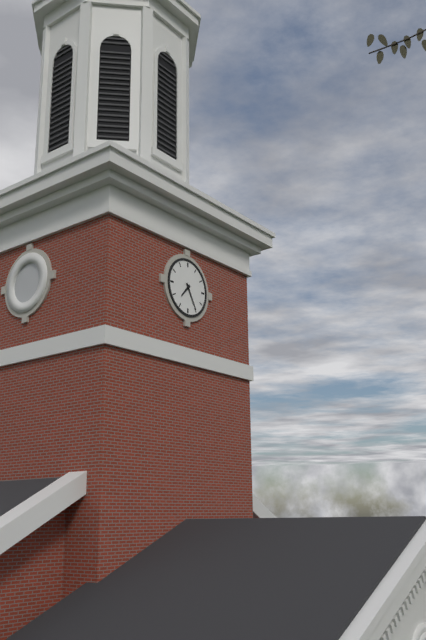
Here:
7,25
